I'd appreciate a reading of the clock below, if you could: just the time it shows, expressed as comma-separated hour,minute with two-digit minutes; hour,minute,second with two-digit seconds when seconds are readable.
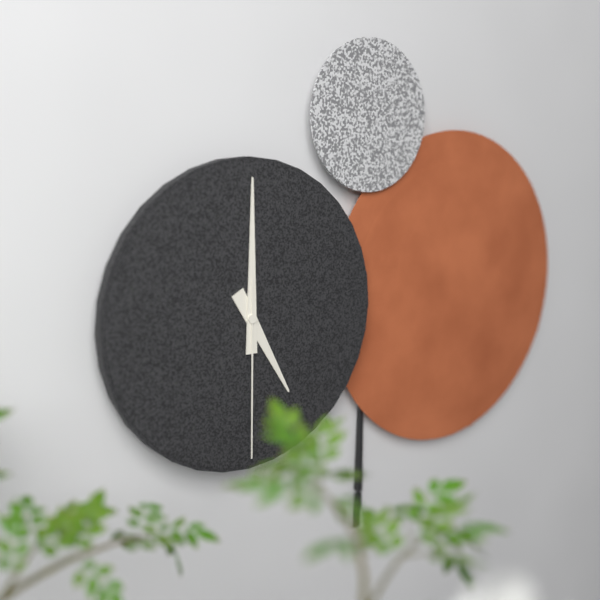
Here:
5,00,30
